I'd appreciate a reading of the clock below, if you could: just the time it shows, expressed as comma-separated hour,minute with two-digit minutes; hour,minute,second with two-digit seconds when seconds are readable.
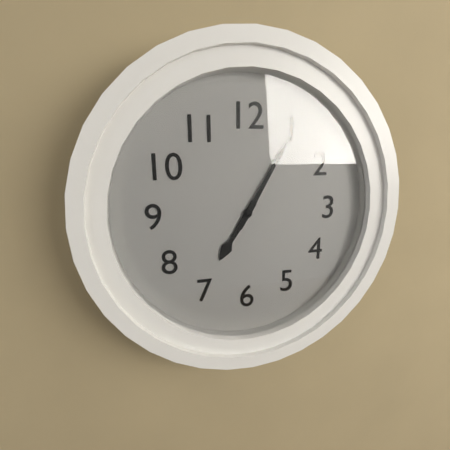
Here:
7,05
